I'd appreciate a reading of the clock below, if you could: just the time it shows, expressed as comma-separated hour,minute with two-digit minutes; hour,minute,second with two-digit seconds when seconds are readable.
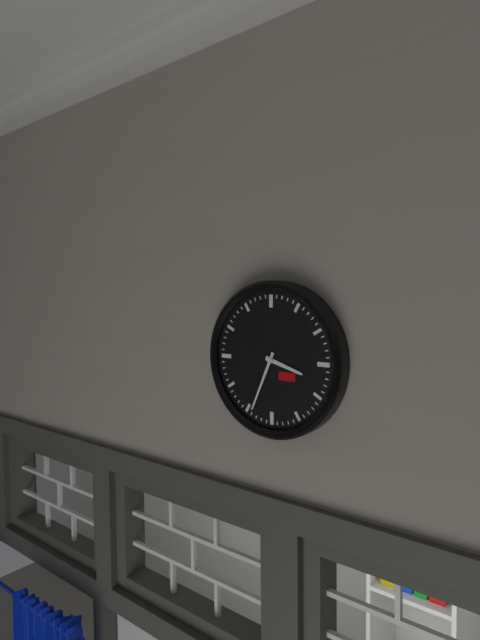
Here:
3,34
